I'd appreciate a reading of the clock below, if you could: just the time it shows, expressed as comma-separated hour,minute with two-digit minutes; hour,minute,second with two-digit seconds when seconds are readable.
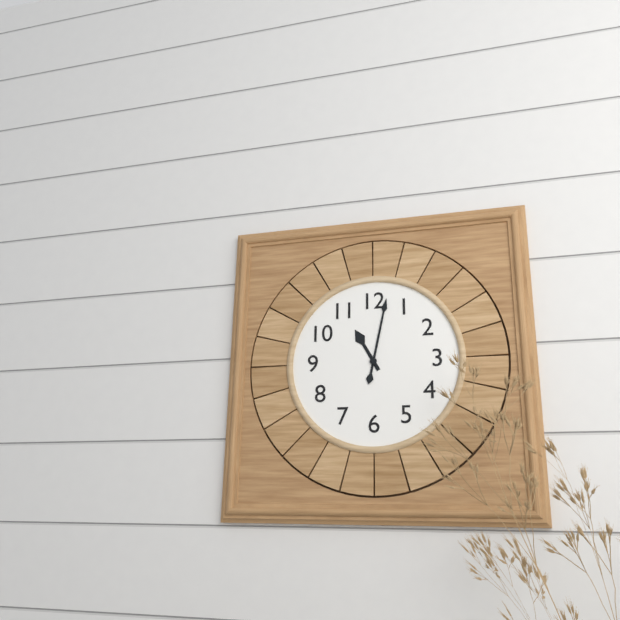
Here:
11,02
